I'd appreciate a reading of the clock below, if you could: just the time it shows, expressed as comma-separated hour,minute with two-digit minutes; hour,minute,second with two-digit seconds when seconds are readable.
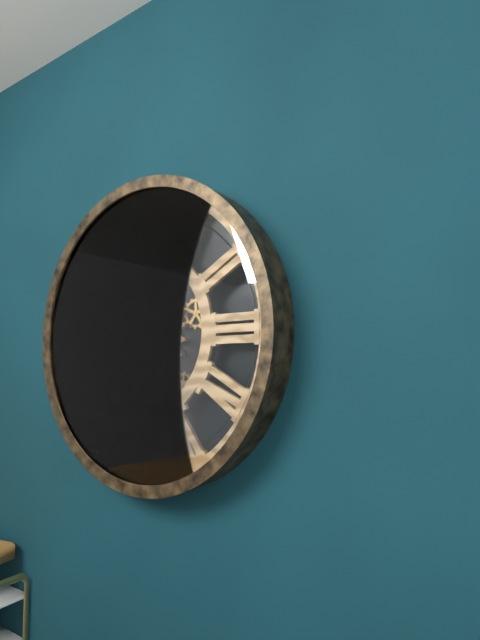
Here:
10,39
